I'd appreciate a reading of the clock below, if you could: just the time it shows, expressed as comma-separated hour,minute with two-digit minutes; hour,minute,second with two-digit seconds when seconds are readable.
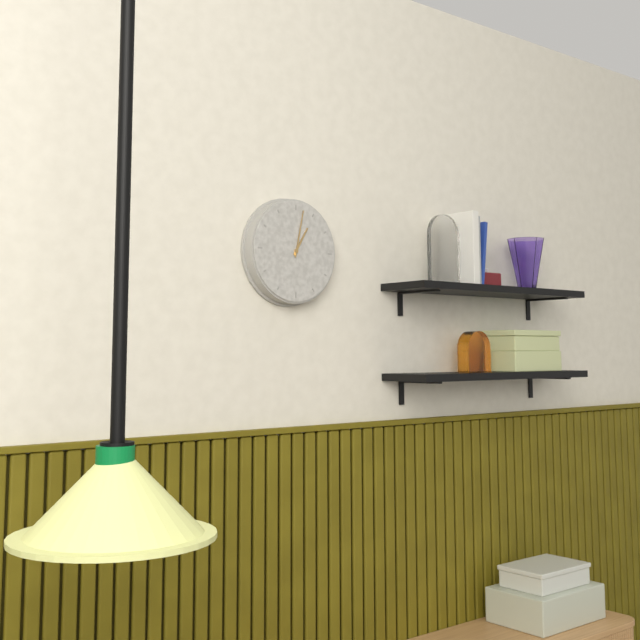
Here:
1,02
